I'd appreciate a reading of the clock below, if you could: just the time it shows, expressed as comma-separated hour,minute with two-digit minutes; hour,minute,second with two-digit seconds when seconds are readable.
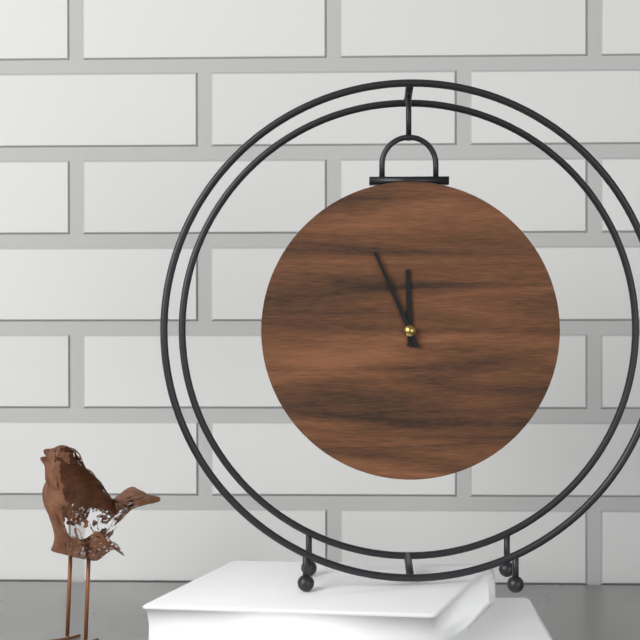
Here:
11,56
